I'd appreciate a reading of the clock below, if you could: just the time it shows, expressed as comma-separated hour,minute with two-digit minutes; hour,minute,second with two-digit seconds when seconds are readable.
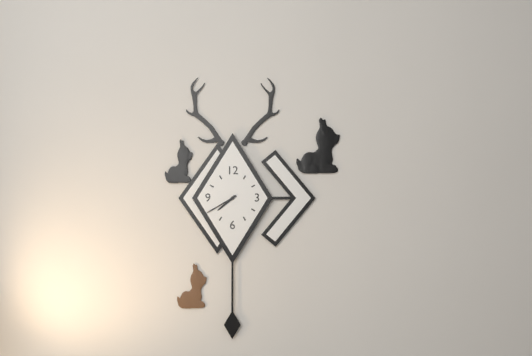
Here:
7,40
